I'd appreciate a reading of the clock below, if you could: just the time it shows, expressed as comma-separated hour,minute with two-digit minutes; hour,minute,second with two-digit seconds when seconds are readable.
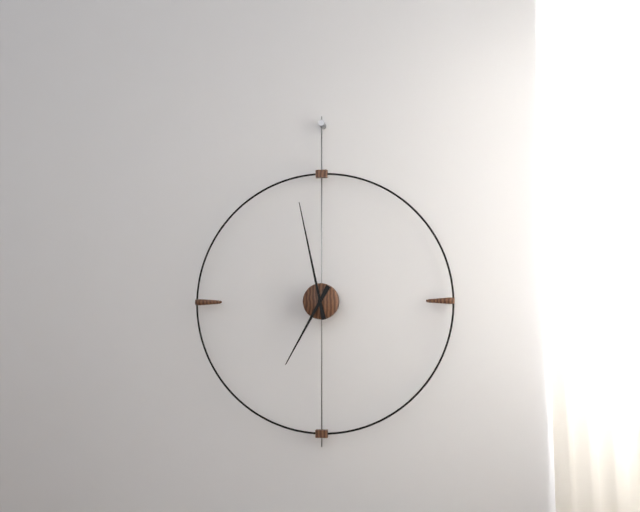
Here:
6,58
